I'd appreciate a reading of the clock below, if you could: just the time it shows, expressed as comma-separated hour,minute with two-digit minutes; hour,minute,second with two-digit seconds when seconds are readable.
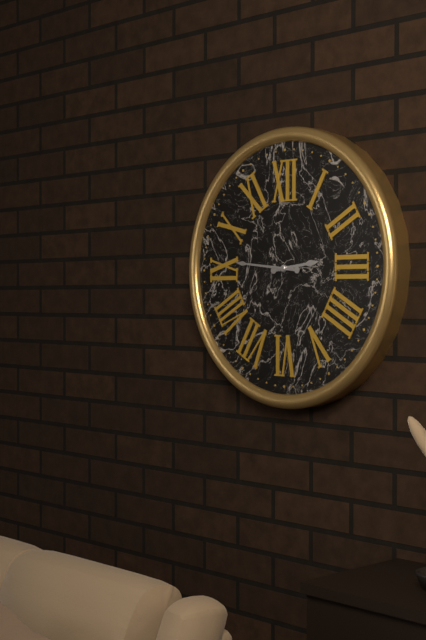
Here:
2,46
